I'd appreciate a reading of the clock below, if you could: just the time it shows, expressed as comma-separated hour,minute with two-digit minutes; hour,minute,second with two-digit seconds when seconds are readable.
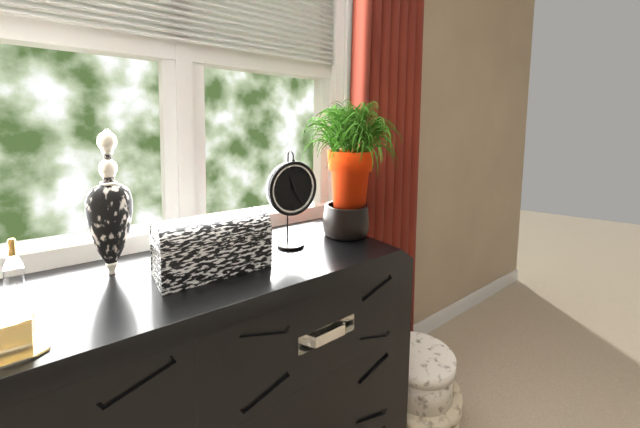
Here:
11,25
